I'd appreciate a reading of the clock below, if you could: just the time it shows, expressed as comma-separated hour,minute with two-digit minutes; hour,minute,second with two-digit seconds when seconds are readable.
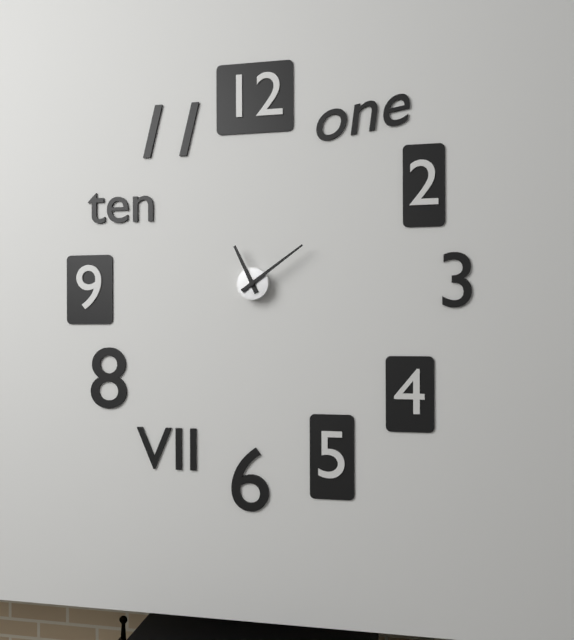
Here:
11,09
